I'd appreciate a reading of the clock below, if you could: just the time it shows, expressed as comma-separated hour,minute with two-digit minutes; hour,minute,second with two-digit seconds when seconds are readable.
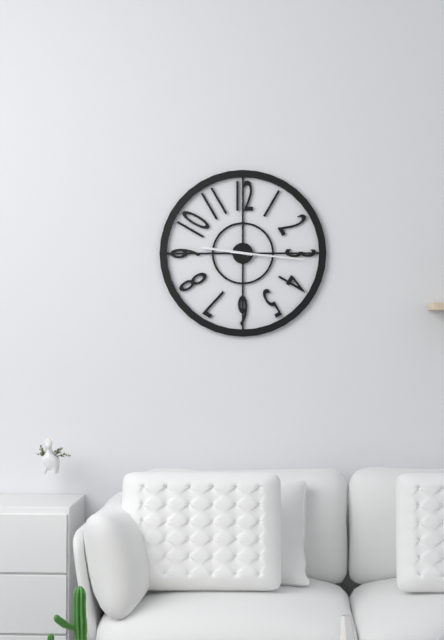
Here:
9,16
